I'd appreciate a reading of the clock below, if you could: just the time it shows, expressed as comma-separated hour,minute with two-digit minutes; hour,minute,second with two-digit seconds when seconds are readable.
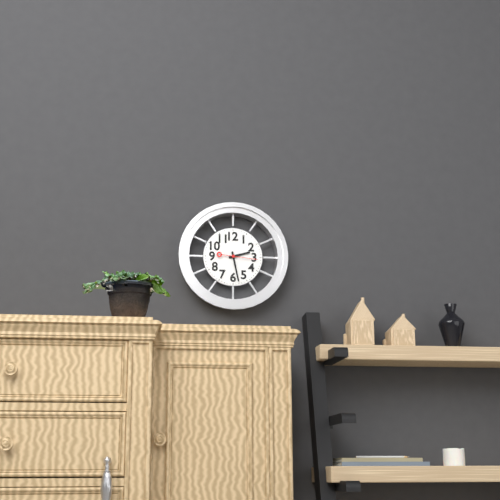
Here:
2,28
